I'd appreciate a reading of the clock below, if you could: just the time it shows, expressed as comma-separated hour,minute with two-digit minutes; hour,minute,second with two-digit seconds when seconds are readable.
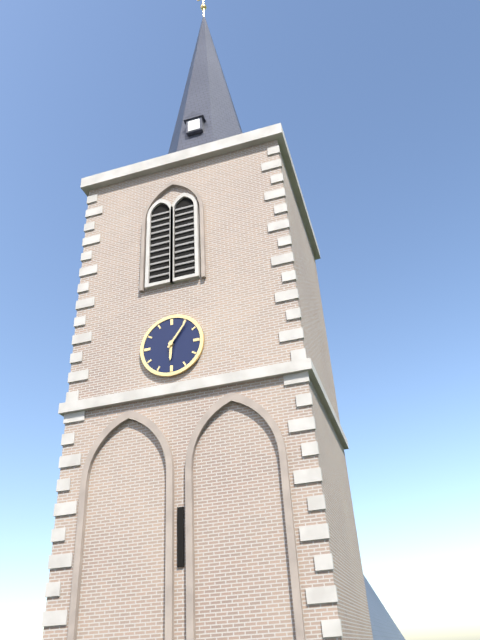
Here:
6,06
